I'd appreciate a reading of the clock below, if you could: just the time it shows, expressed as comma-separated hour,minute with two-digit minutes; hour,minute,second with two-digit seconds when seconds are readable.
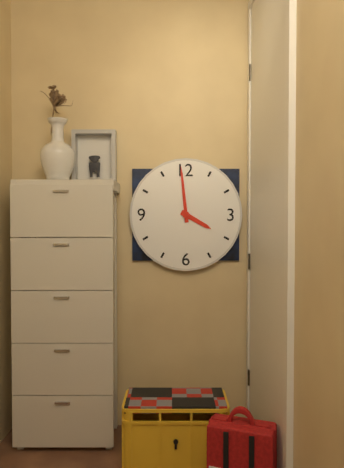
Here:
3,59
